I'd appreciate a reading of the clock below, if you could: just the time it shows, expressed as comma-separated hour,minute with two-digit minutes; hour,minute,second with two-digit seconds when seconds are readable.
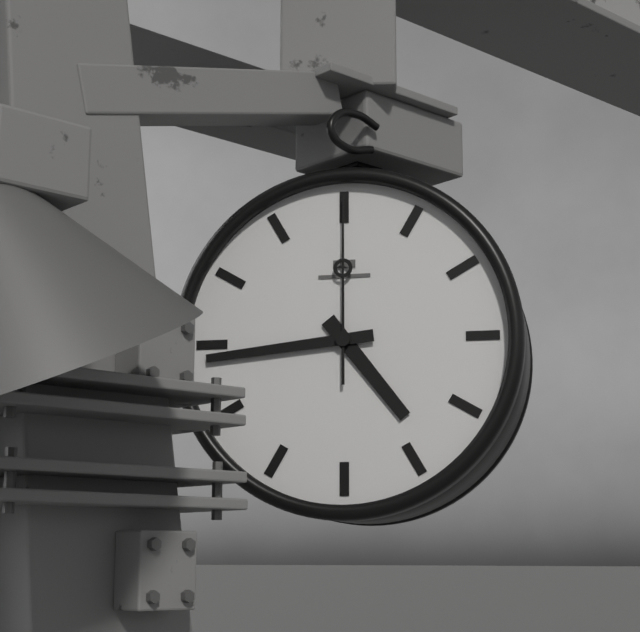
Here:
4,44,00
